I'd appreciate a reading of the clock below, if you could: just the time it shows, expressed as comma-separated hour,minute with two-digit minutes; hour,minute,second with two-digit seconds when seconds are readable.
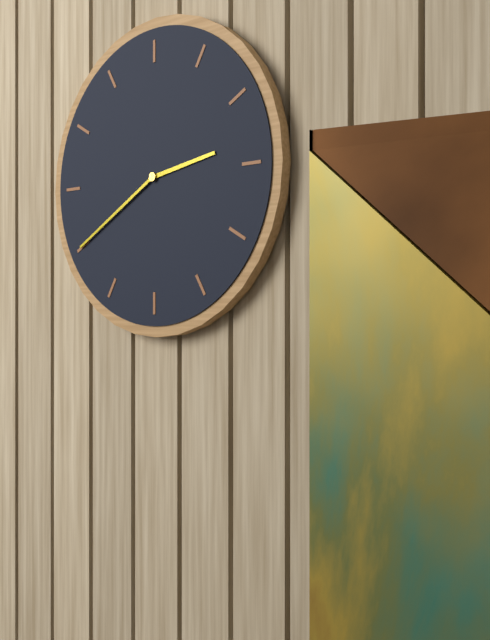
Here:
2,40
